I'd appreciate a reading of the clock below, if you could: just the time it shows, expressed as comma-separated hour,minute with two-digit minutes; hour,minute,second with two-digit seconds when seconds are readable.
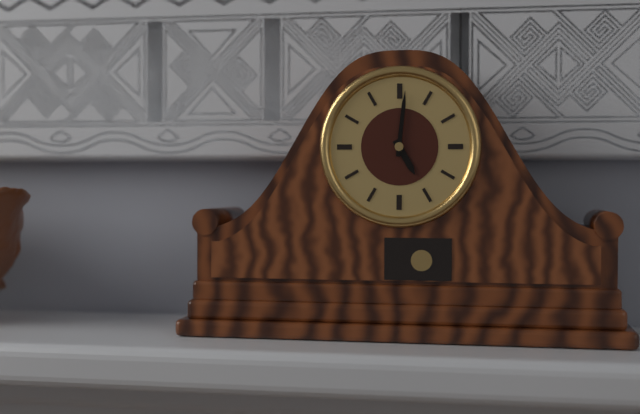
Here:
5,01
